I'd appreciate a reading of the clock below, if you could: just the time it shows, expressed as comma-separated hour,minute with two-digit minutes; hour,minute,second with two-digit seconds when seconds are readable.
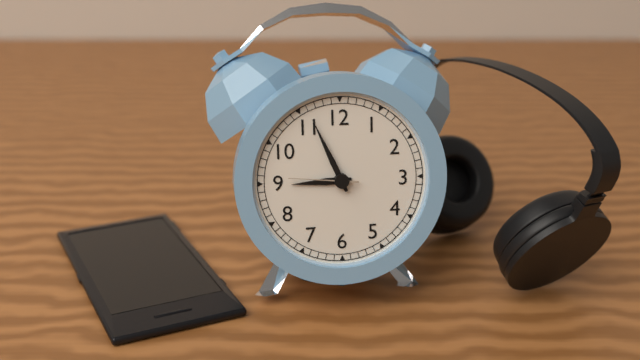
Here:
8,56,46
